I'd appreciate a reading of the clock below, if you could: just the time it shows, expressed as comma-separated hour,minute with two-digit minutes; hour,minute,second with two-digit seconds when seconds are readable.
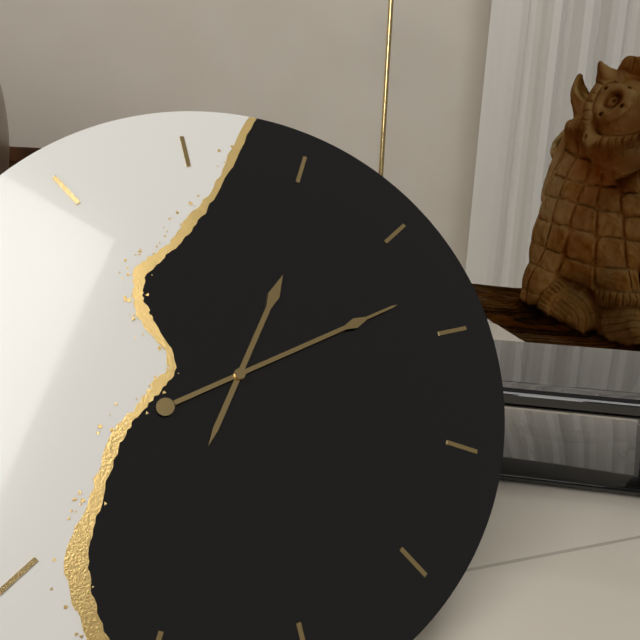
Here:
1,13
